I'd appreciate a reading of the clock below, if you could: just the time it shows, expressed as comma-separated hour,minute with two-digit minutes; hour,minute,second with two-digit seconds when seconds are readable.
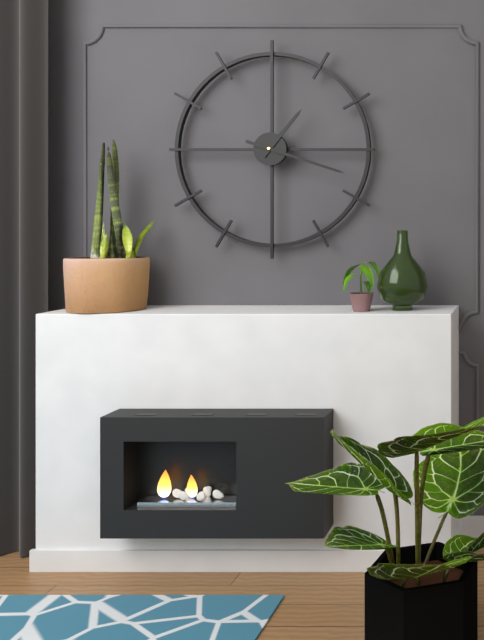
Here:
1,18
